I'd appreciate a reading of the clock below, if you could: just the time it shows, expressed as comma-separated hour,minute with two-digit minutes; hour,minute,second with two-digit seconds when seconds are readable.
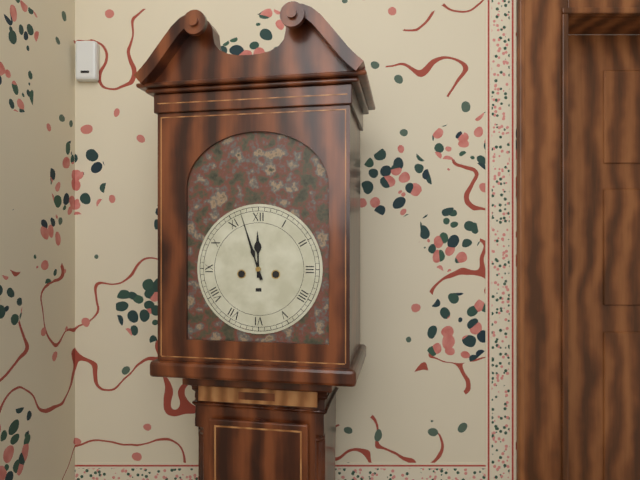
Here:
11,57
